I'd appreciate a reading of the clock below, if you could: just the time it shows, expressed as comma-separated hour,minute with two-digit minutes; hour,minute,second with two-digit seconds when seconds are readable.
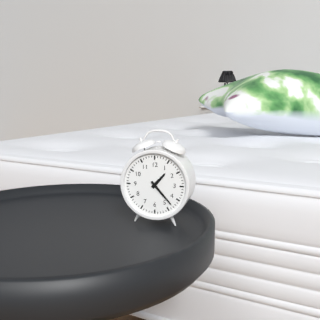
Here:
1,23
